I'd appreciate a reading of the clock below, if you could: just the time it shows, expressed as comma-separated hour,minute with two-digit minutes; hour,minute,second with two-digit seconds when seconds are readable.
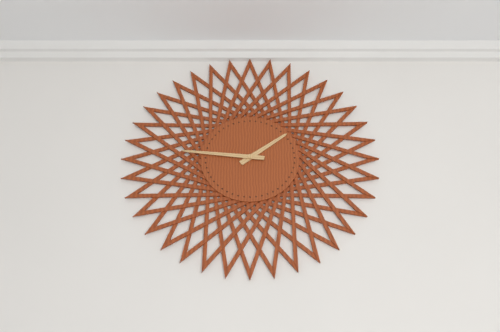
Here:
1,46
